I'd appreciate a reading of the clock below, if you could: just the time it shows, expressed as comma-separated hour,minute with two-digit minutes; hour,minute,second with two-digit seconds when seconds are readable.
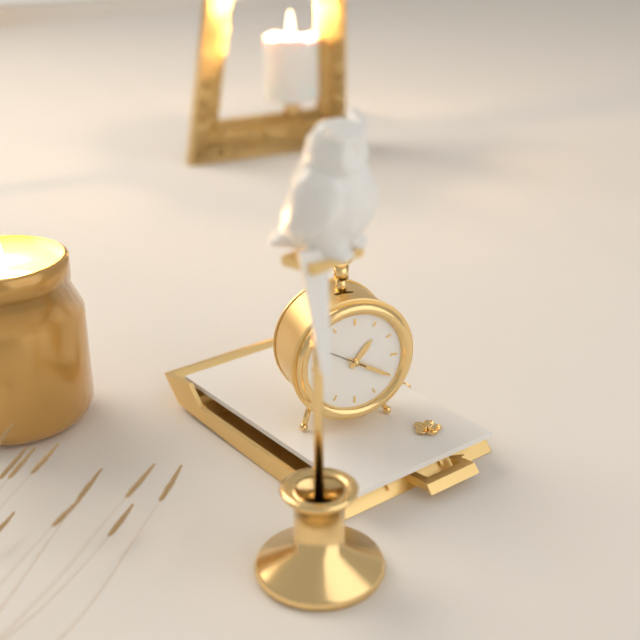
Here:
1,20
